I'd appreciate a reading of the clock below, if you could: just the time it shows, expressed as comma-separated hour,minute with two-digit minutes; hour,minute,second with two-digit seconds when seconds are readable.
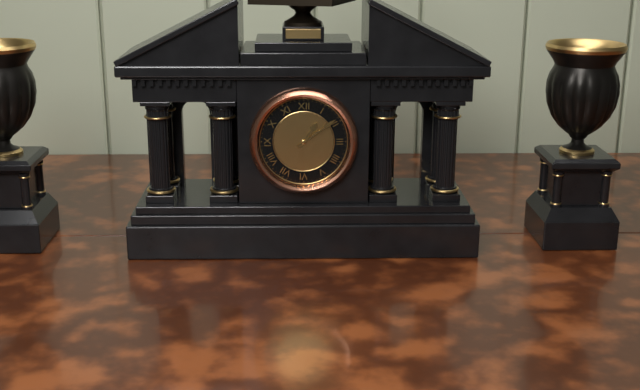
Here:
1,09
